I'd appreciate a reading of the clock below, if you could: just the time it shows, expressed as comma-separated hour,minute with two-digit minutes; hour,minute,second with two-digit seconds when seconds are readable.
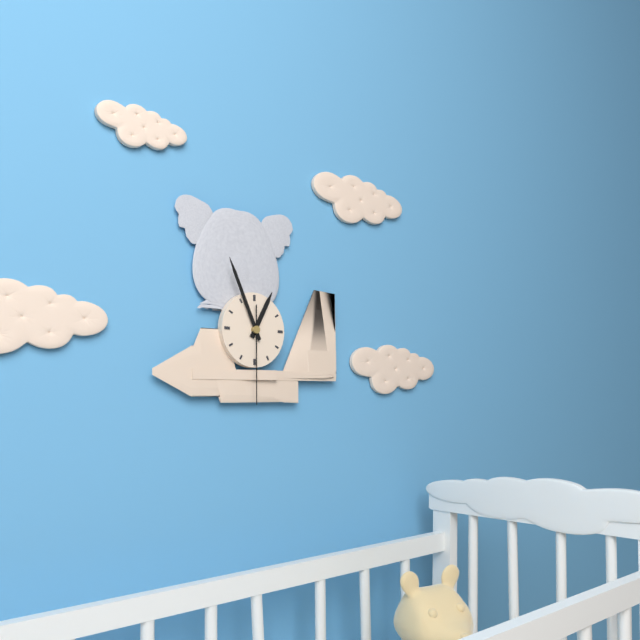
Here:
12,56,30
